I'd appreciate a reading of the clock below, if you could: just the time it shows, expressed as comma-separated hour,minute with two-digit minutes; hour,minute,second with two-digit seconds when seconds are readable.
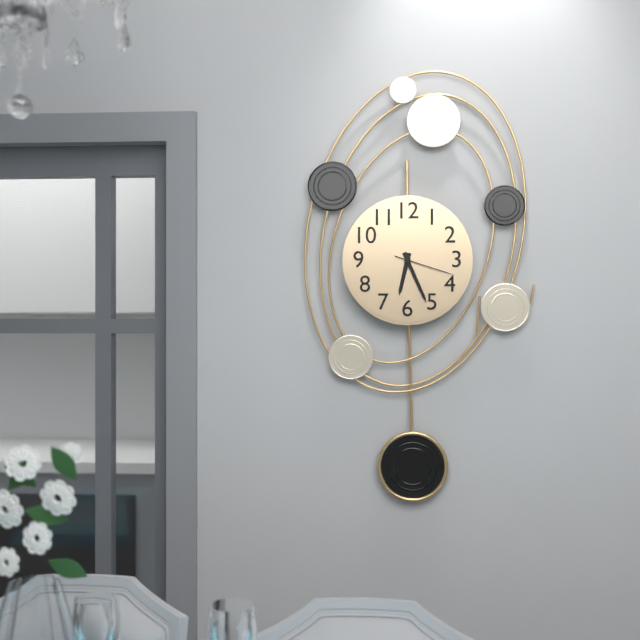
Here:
6,26,18
